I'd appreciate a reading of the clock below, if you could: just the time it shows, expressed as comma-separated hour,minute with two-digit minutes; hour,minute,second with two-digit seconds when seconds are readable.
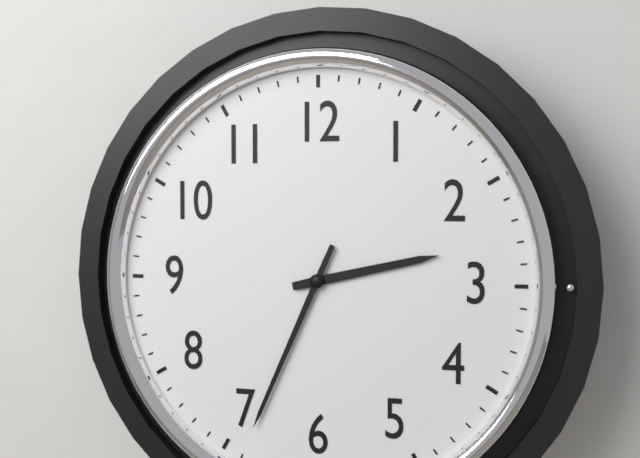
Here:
2,34
